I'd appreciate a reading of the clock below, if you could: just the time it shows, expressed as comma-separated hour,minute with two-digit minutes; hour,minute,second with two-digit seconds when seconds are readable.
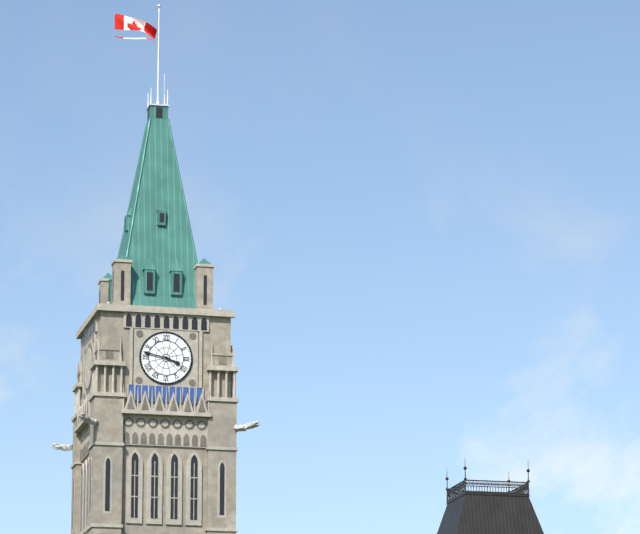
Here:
3,47
